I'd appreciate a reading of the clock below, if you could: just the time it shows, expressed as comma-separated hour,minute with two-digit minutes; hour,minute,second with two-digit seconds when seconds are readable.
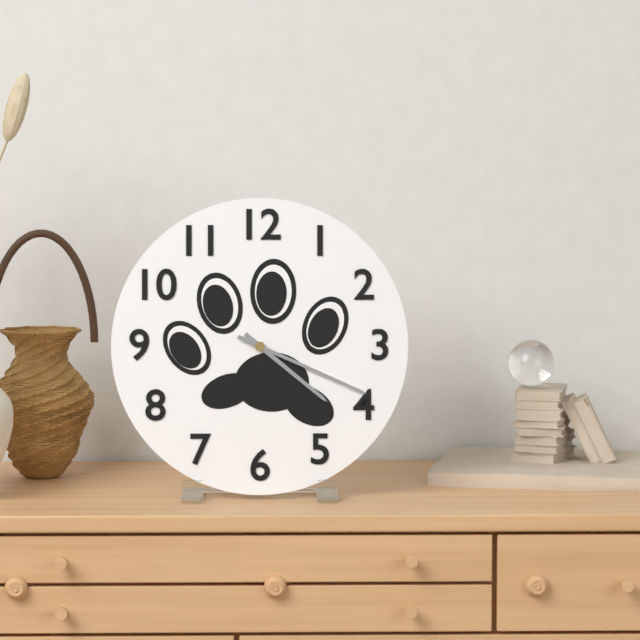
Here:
4,19
